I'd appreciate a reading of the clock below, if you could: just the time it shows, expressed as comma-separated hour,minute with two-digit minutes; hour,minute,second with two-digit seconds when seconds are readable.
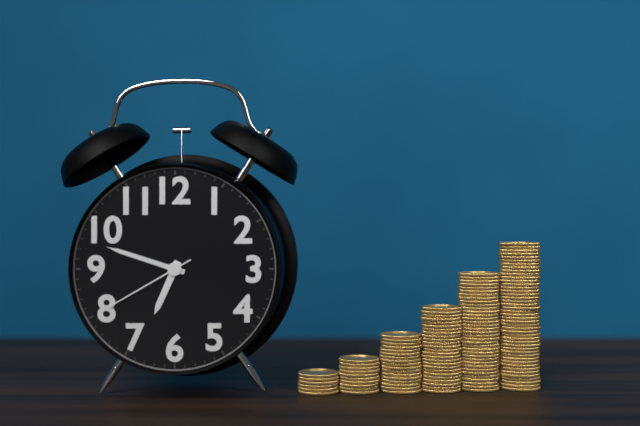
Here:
6,48,40
